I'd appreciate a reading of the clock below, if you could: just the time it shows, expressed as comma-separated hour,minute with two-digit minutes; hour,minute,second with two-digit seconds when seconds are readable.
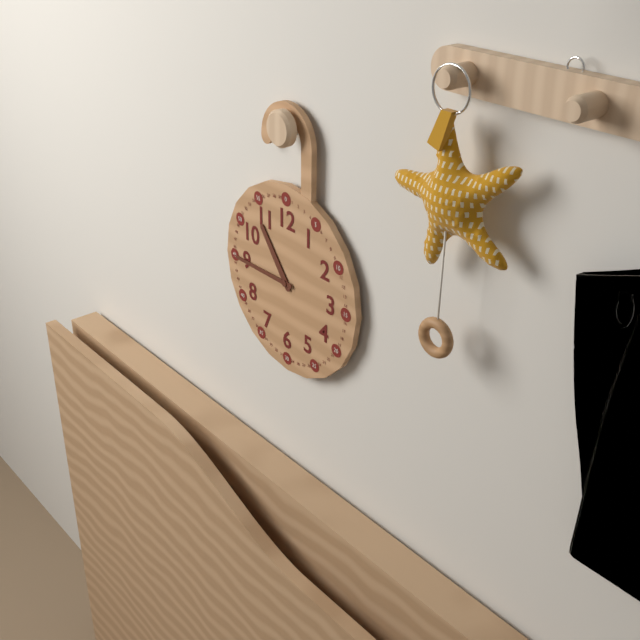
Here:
10,45
